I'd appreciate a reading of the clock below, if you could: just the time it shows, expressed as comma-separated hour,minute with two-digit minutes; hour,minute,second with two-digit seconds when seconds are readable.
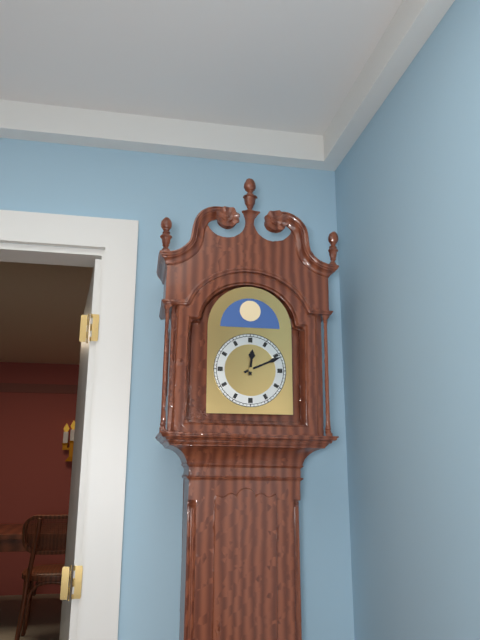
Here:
12,11
